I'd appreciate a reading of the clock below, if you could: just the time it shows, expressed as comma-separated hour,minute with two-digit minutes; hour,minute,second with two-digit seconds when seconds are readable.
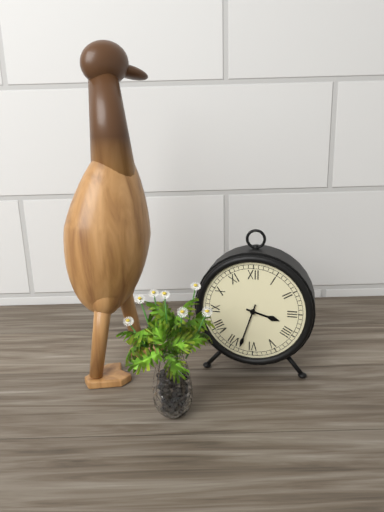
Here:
3,33
